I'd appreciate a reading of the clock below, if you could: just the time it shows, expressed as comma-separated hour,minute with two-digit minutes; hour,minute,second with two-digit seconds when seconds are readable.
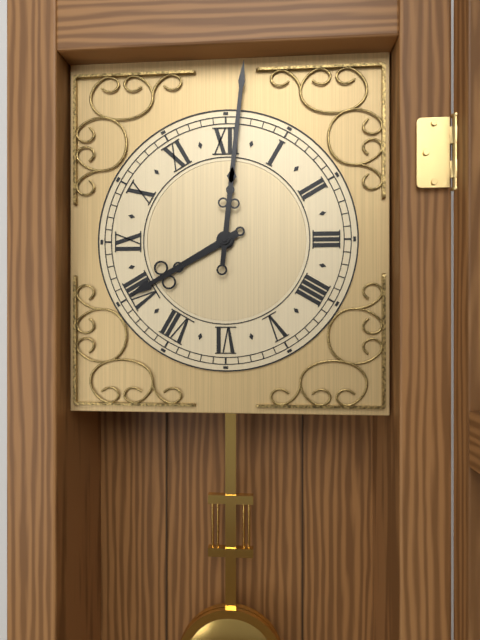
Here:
8,01
